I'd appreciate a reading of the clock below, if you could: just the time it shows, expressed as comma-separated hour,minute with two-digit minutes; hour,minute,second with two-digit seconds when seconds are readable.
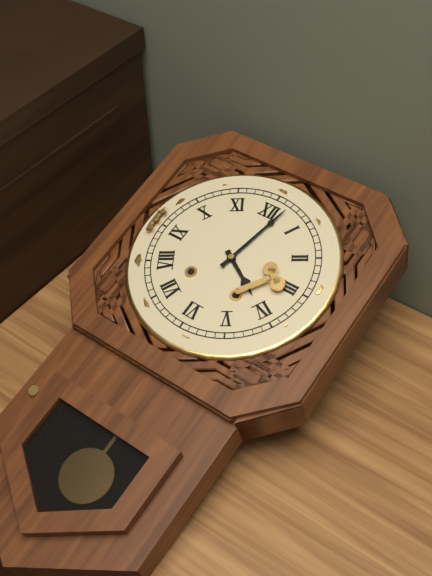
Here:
4,02
